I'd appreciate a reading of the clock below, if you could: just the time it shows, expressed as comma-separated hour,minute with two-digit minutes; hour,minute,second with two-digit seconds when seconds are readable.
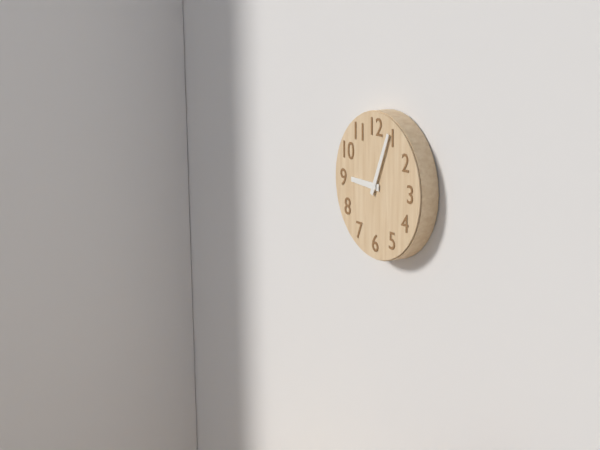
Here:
9,04
